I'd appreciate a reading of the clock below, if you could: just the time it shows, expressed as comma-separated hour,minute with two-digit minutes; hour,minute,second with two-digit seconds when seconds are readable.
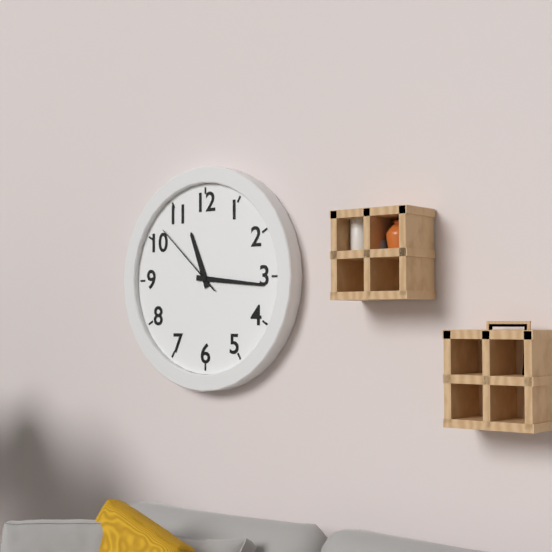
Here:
11,16,52
